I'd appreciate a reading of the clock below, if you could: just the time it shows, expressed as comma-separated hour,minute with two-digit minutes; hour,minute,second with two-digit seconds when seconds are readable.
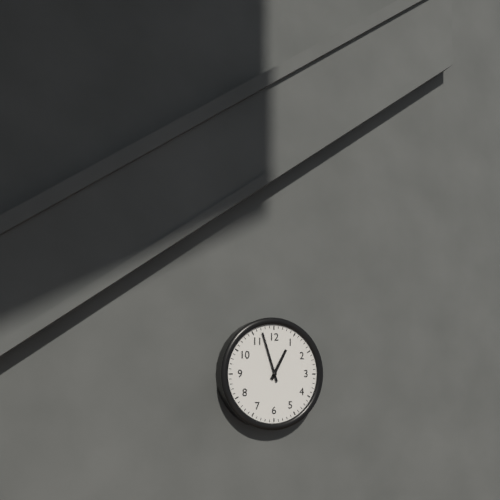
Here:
12,57
